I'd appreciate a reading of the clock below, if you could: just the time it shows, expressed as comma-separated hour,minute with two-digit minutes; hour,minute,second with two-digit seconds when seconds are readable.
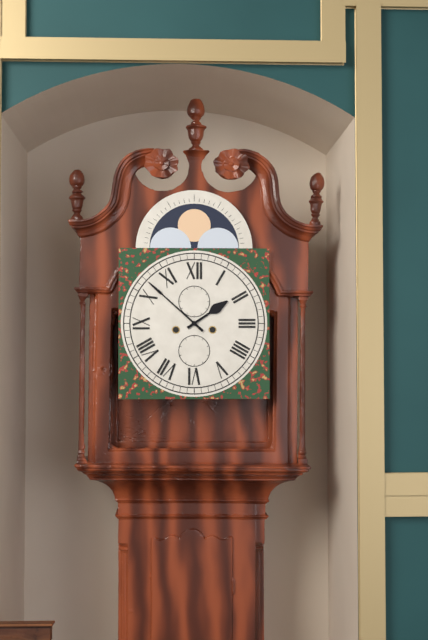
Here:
1,52
